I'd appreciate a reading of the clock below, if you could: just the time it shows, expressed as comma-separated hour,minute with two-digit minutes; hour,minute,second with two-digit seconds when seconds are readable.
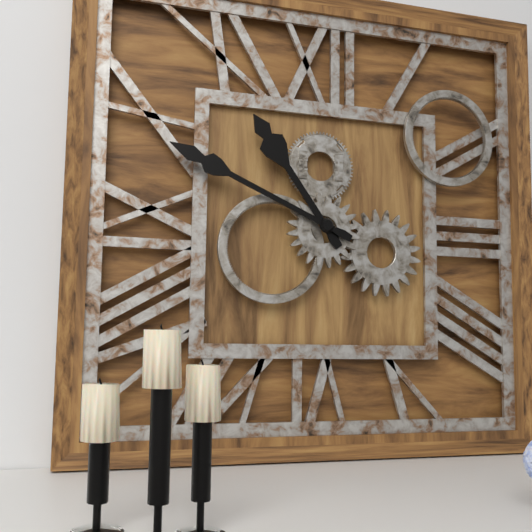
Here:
10,49
